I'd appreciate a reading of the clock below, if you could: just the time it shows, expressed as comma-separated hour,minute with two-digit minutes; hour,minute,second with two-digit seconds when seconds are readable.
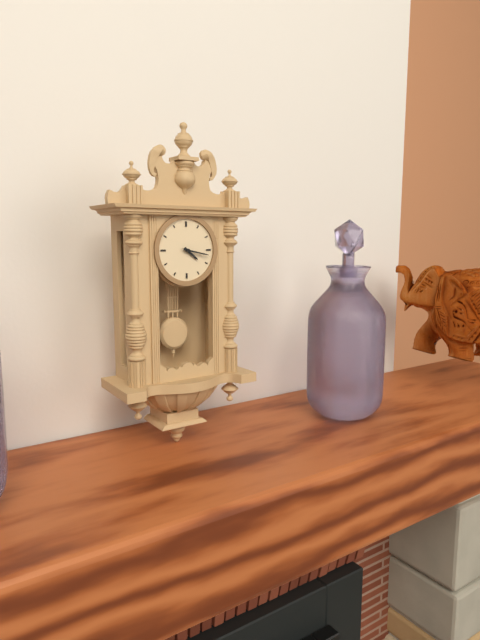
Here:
4,17
